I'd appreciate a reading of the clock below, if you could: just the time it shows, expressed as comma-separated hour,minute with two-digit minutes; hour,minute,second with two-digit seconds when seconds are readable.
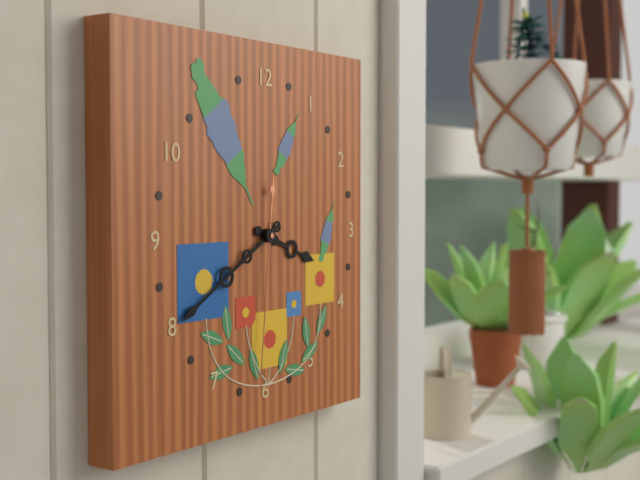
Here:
3,40,31
